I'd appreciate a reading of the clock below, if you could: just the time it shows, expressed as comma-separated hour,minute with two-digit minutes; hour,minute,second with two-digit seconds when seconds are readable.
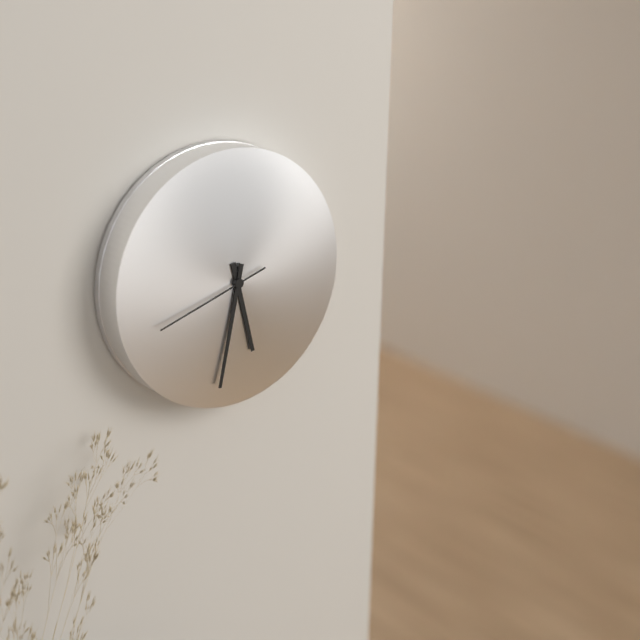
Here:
5,32,42
